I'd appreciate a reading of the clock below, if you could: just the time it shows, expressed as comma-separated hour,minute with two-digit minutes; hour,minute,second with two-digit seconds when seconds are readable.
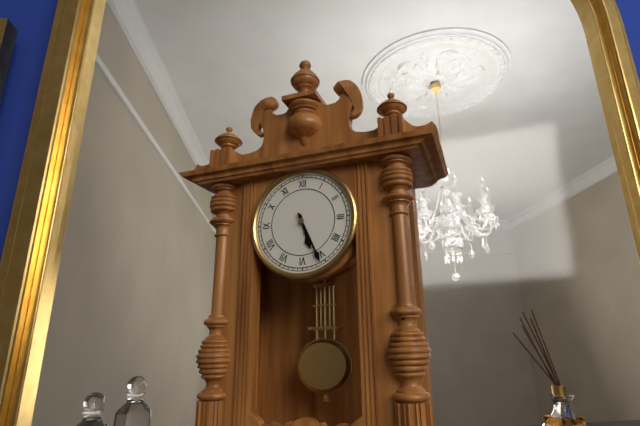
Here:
5,26
